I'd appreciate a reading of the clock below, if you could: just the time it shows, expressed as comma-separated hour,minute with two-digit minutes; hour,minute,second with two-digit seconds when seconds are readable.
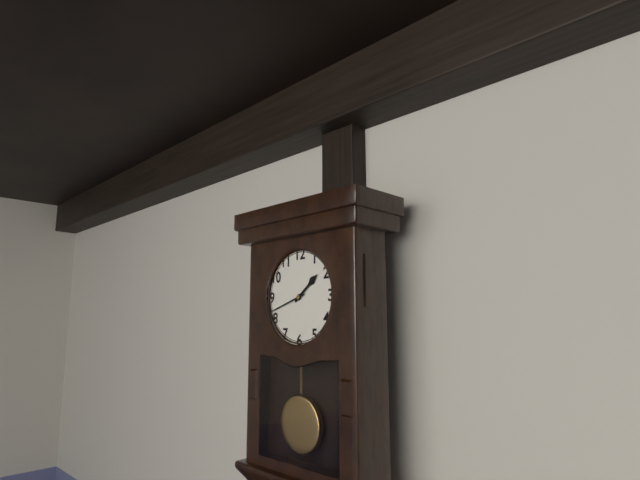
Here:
1,42
